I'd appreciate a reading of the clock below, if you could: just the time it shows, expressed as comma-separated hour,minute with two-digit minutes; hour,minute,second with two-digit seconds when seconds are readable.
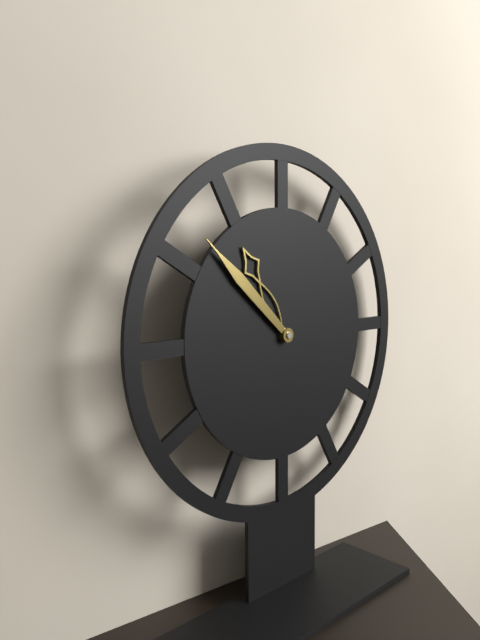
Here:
10,52
